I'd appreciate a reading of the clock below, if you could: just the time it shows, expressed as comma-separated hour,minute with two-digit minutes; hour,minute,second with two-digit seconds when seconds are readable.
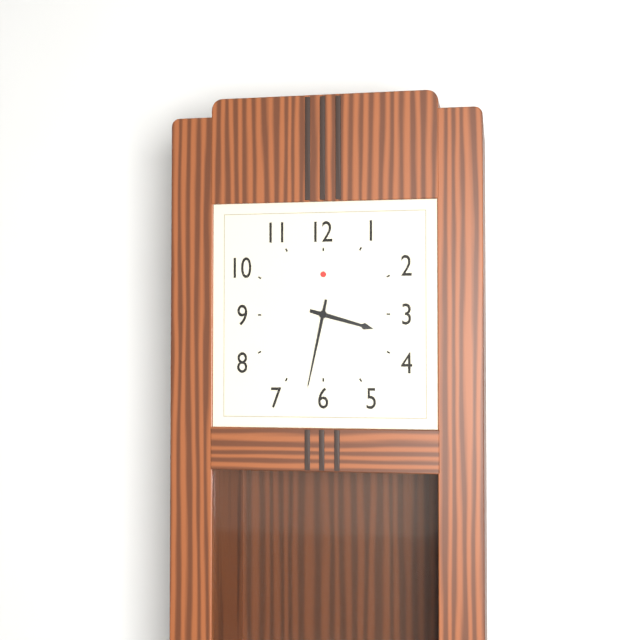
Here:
3,32
